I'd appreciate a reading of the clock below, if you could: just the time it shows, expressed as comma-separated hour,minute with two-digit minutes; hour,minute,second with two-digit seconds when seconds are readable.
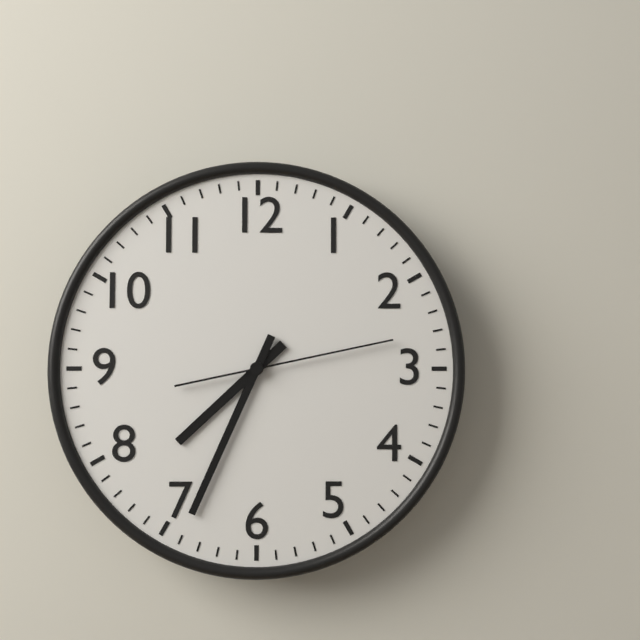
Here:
7,34,13
